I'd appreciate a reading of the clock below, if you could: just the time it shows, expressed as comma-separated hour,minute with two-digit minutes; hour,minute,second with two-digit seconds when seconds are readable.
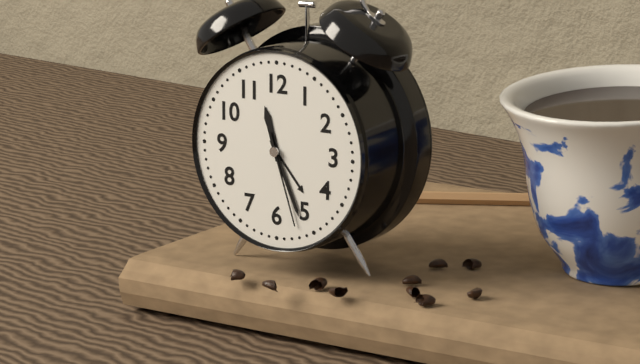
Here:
11,26,27
